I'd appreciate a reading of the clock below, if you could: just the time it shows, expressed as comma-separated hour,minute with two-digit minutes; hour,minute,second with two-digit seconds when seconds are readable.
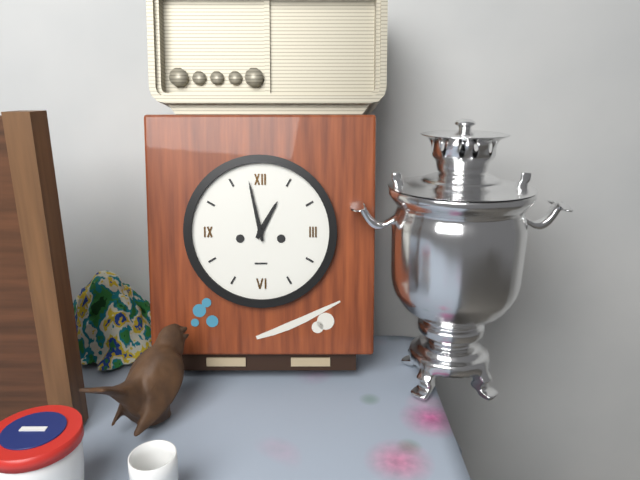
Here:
12,58
